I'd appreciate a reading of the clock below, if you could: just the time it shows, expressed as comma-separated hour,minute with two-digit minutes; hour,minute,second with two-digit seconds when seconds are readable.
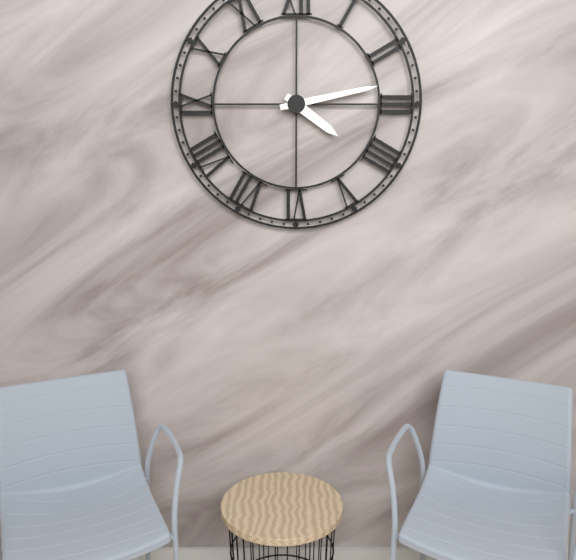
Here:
4,13
